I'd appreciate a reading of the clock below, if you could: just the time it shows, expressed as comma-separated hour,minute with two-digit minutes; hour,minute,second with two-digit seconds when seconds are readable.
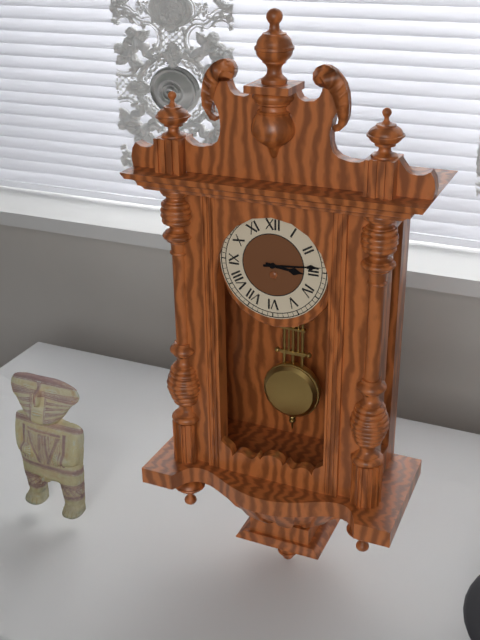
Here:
3,14
